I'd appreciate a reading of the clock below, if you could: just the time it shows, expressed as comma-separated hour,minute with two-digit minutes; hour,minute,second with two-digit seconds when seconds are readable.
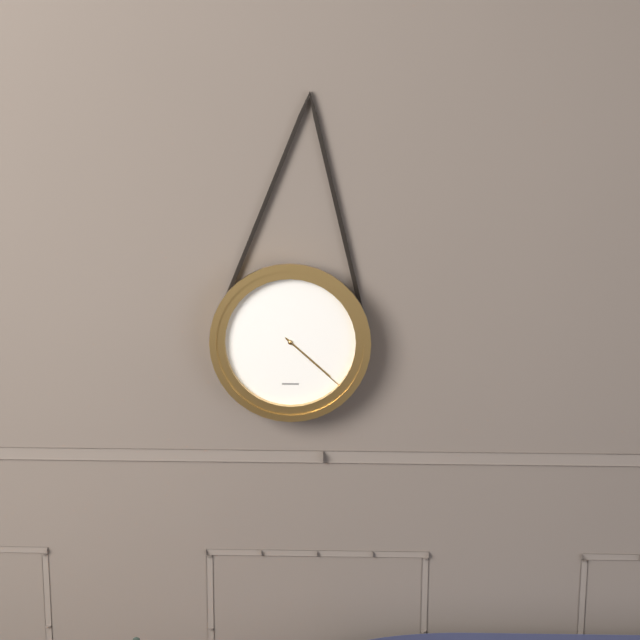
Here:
4,22
